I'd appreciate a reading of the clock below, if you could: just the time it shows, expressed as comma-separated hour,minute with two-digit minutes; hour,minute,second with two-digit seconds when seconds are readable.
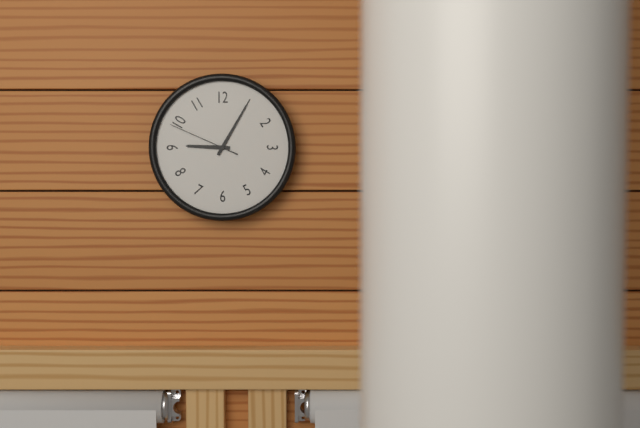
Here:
9,05,49
